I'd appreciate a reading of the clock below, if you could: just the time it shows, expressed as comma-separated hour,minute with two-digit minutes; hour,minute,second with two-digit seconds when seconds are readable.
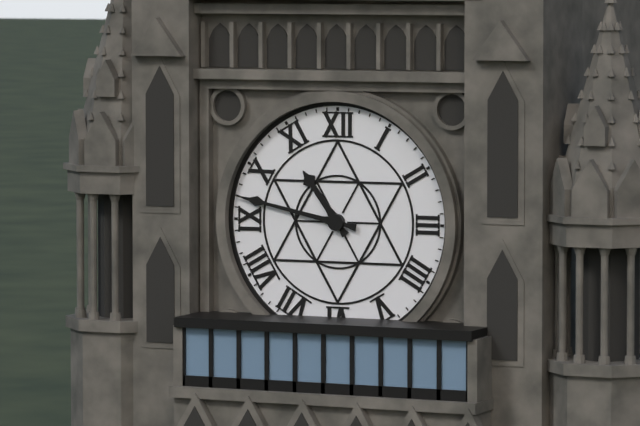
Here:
10,47
